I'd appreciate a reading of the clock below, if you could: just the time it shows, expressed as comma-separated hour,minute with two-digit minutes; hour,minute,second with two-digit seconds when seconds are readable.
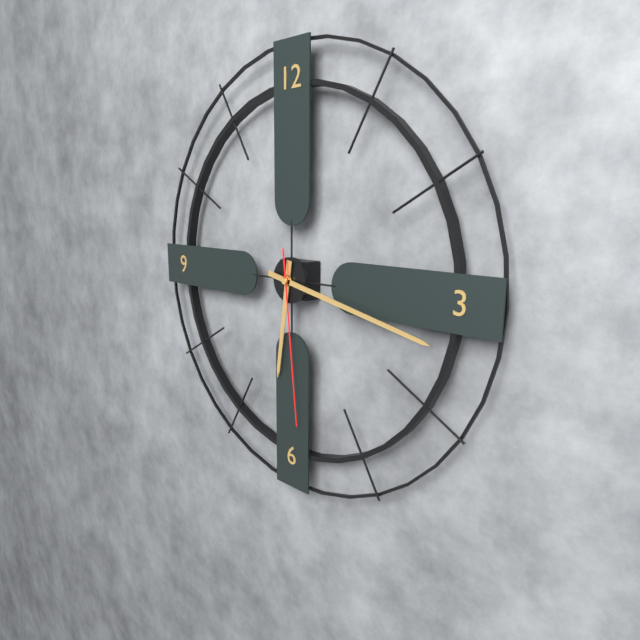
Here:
6,17,29
